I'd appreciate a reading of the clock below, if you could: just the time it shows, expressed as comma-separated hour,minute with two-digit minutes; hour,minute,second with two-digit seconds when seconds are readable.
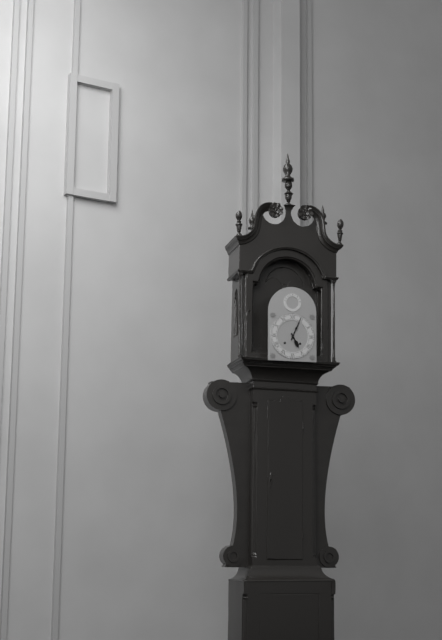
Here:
5,04
